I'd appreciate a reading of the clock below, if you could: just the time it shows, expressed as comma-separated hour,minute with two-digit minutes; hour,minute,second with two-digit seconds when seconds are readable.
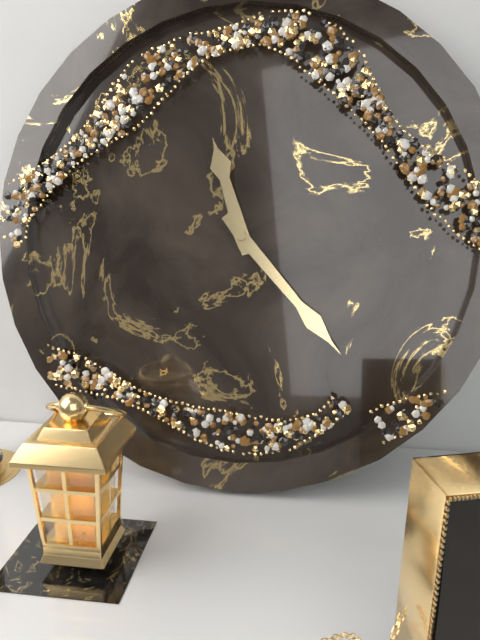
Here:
11,23
